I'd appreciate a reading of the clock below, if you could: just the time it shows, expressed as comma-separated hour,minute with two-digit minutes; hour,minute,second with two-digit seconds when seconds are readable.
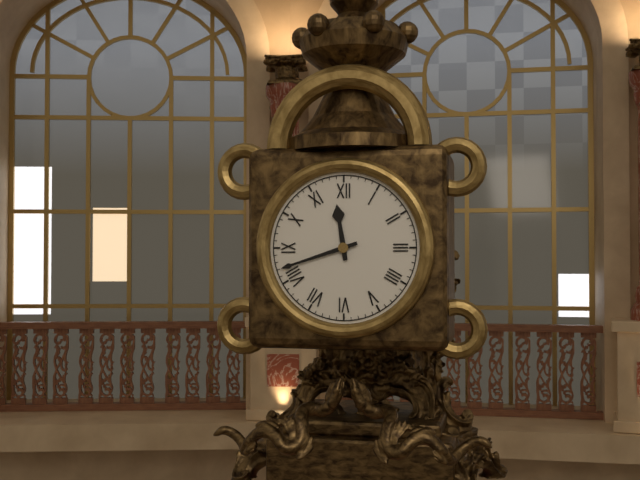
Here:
11,42
